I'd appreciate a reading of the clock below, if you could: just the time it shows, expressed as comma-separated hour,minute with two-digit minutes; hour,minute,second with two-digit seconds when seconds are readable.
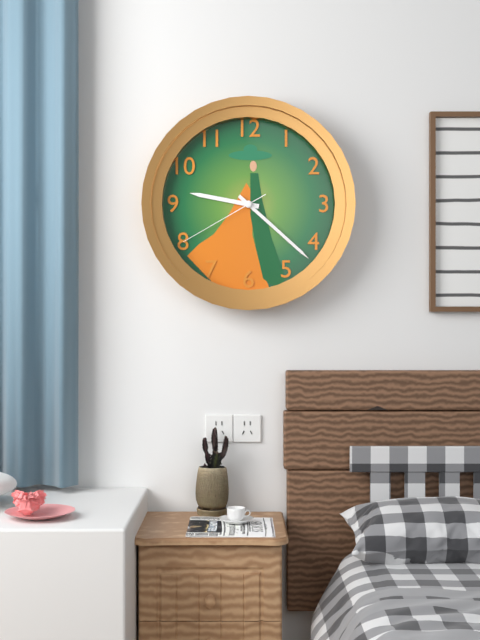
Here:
9,22,40
